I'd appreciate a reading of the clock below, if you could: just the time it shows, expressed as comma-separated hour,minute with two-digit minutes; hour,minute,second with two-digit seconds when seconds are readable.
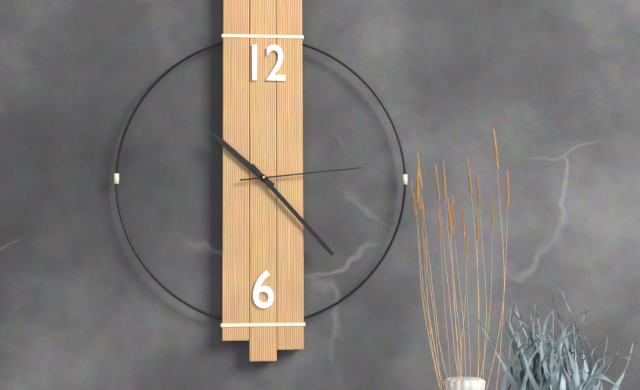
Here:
10,23,14
